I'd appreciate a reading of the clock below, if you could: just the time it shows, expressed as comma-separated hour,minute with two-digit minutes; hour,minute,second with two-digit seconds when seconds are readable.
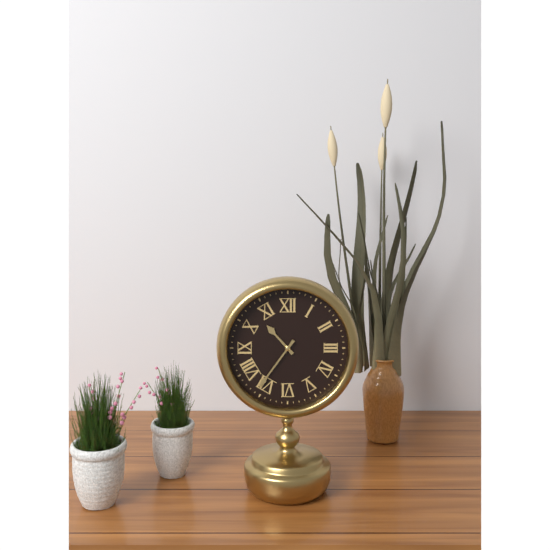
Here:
10,36
